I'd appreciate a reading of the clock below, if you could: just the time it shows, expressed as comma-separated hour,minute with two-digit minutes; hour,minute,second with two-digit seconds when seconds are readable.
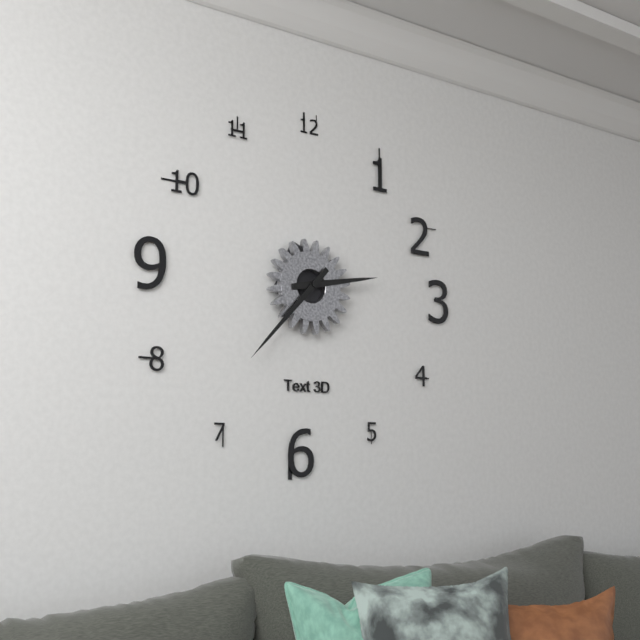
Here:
2,37
